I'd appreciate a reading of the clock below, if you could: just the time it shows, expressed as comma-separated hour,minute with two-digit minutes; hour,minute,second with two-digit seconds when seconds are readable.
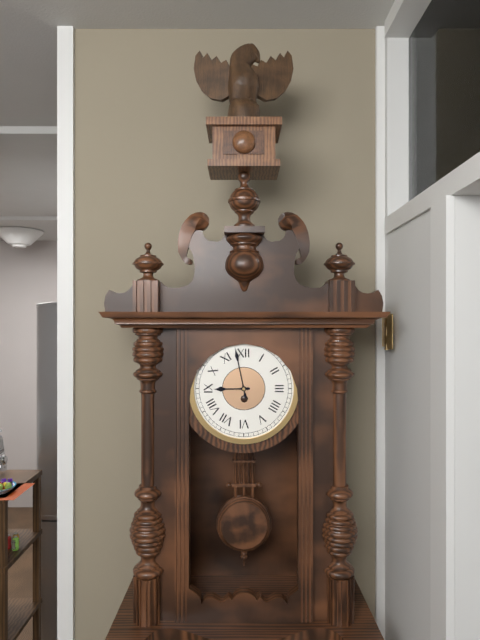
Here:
8,58
